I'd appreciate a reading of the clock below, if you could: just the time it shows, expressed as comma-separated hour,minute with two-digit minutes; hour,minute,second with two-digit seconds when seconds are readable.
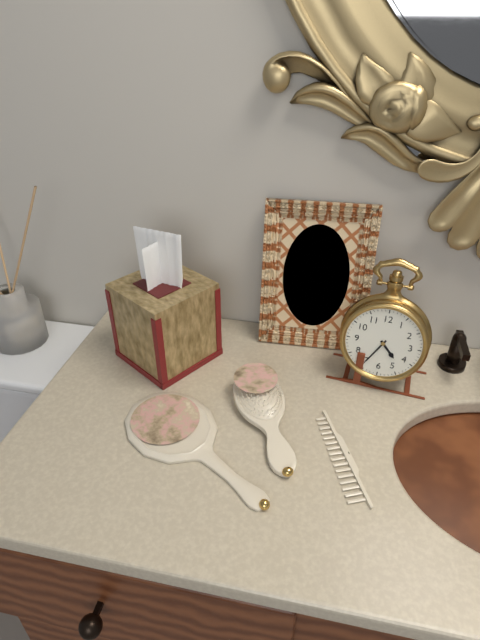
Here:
4,35
